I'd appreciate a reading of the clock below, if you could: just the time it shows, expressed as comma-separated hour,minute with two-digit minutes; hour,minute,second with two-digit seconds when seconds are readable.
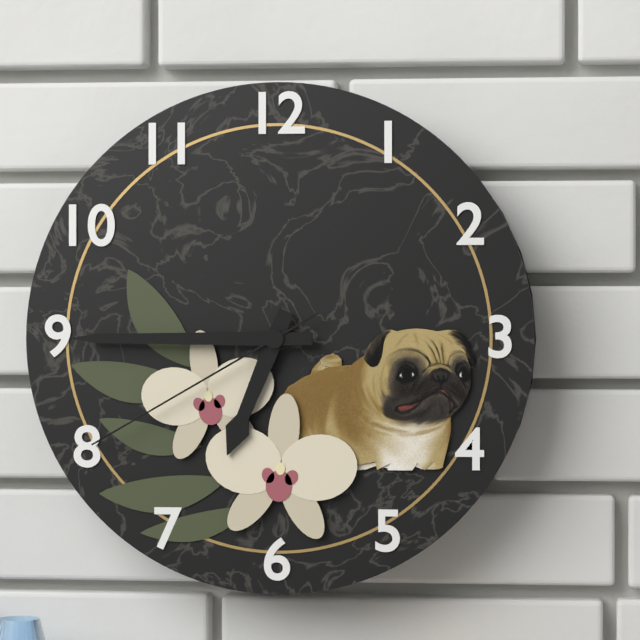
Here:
6,45,40
